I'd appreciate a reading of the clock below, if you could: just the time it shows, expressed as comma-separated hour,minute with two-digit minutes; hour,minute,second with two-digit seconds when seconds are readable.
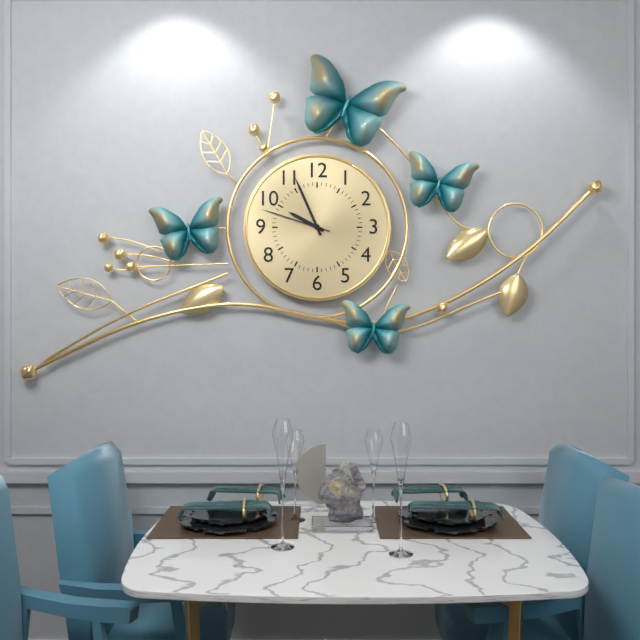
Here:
9,56,48
